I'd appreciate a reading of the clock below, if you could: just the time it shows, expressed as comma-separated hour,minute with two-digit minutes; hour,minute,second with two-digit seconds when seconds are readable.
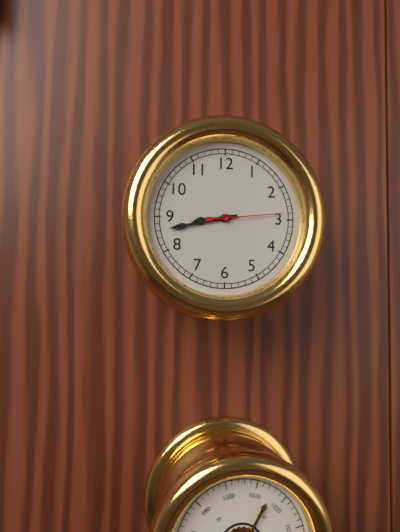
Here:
8,43,14
